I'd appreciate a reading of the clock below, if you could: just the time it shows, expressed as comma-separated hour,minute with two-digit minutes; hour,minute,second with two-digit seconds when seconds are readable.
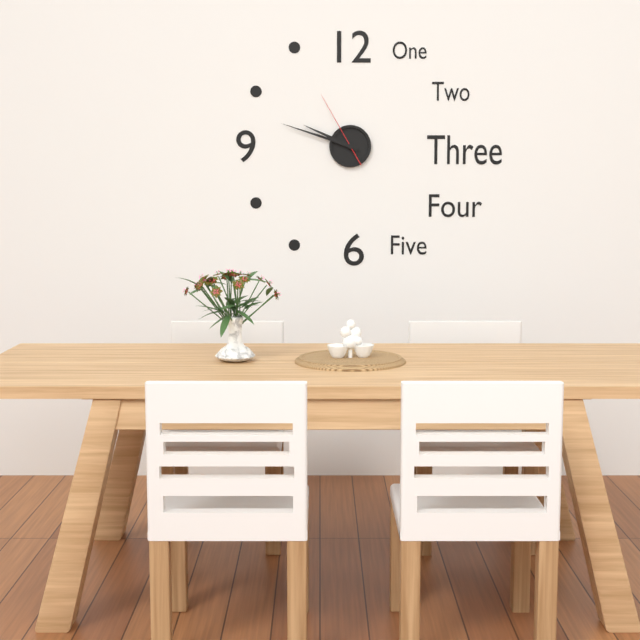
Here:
9,48,55
